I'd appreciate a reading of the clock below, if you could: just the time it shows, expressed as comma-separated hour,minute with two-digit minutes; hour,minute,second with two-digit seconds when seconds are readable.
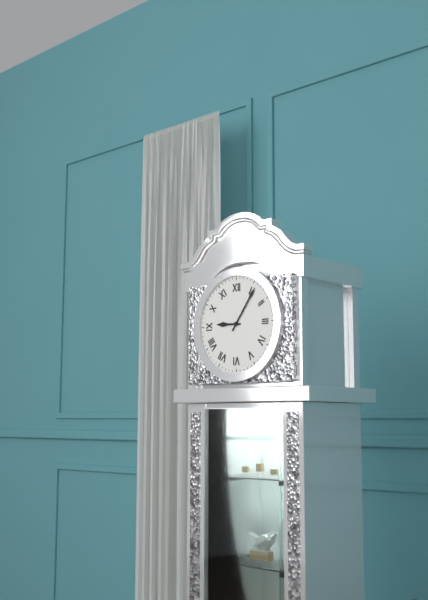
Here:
9,06
